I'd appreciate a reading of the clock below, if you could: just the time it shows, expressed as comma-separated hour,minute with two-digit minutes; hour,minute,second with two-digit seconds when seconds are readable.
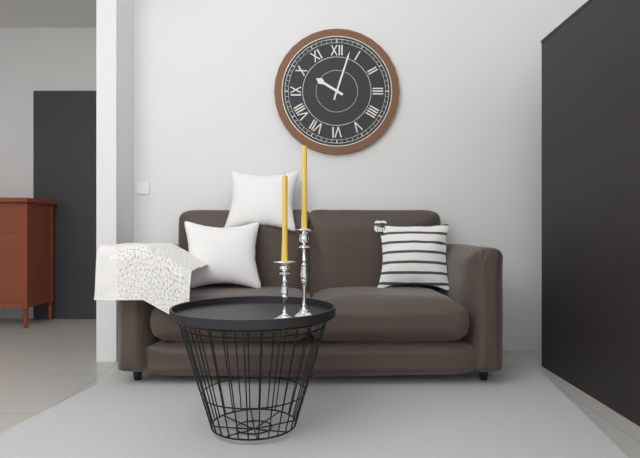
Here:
10,03
